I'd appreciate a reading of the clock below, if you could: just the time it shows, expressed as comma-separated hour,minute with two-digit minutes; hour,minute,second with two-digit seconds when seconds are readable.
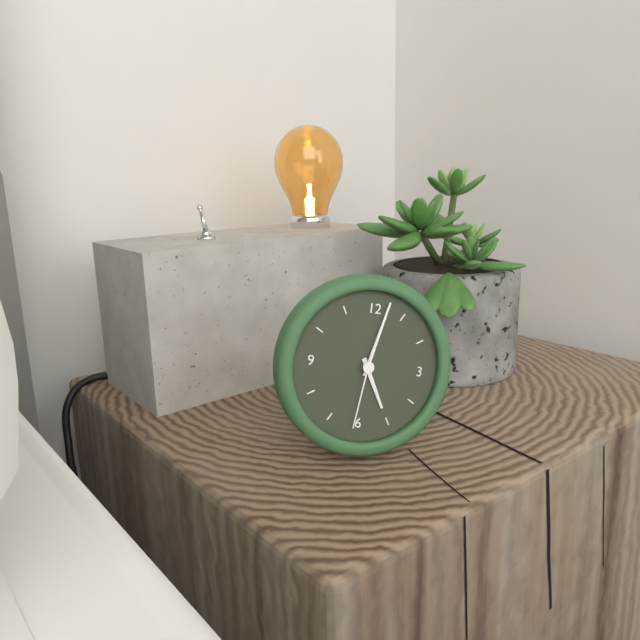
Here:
5,02,31
